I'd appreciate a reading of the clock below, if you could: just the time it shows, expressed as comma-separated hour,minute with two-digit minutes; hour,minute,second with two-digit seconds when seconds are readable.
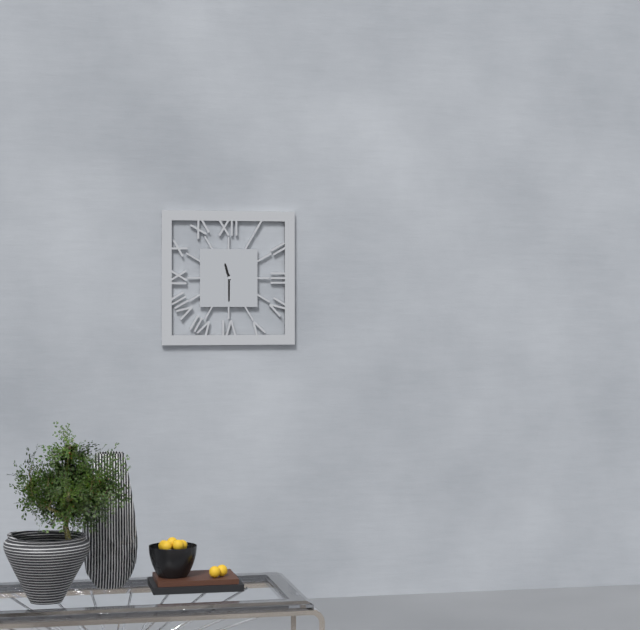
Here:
11,30
